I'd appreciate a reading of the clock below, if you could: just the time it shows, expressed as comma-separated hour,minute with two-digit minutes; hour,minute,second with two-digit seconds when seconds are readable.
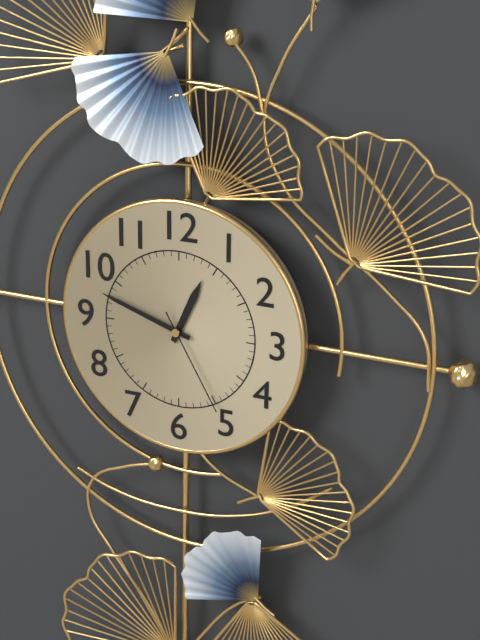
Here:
12,48,25
